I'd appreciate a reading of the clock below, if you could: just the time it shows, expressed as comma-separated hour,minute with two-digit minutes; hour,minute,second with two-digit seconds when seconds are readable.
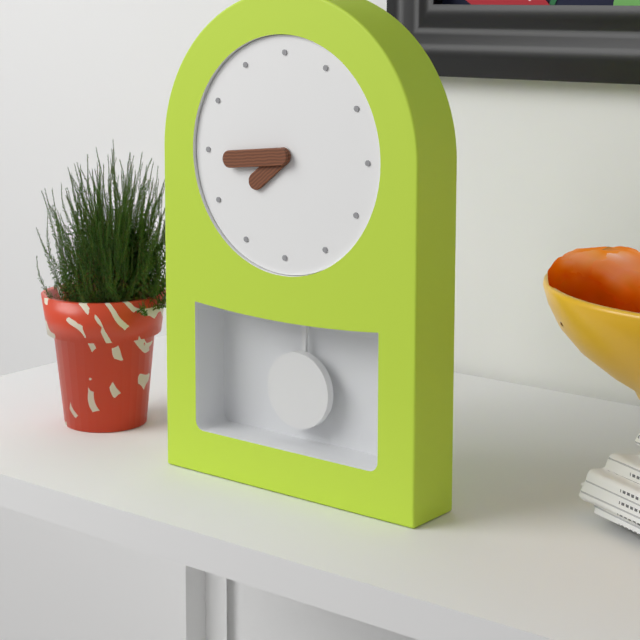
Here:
7,44
